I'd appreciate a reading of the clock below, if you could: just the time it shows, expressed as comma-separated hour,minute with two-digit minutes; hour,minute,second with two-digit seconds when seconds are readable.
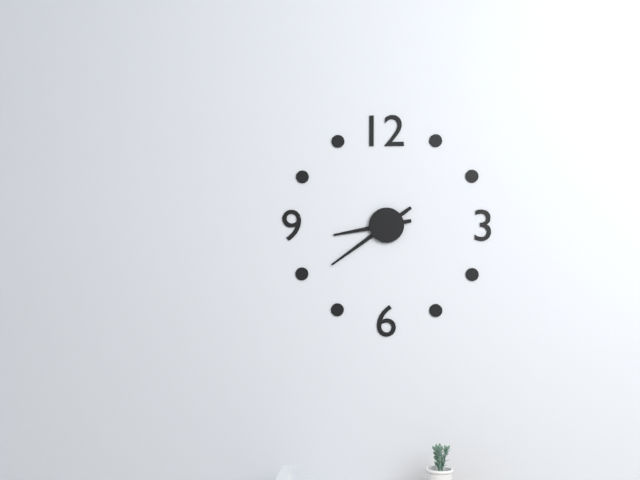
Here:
8,39
